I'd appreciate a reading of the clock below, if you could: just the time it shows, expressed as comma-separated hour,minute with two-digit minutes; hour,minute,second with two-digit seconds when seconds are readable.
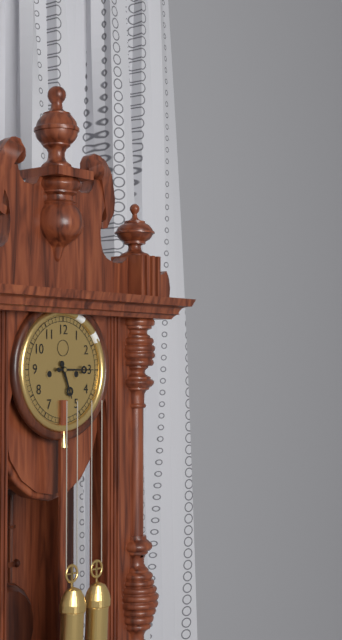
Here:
5,15
